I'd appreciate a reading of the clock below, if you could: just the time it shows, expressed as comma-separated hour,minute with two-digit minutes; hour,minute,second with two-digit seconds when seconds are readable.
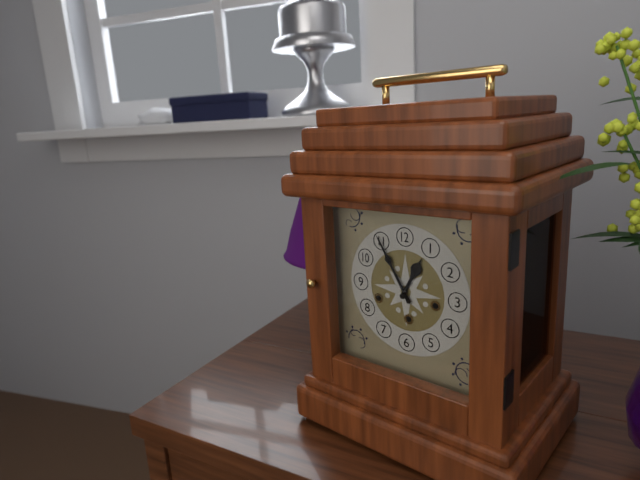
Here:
12,55
